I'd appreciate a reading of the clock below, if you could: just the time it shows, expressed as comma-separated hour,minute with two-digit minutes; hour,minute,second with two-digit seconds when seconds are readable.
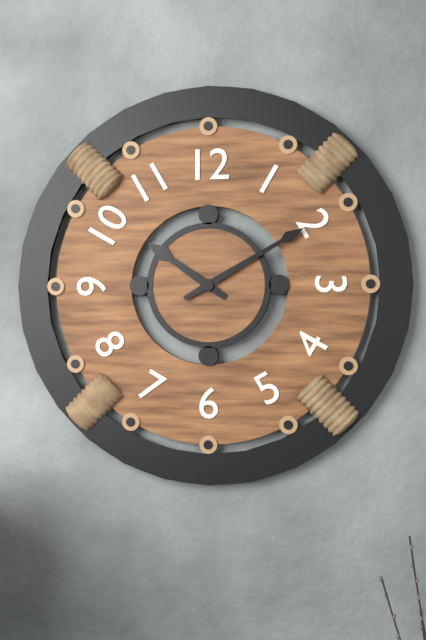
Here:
10,10
